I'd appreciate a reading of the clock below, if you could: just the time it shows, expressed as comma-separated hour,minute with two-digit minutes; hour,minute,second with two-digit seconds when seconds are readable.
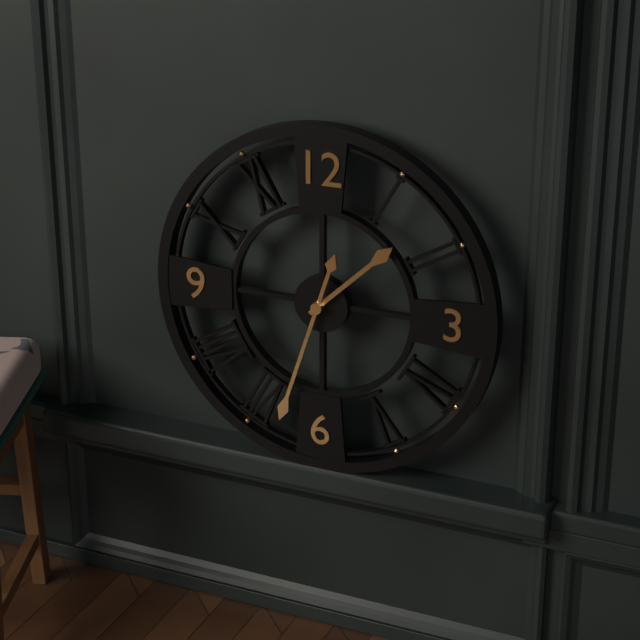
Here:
1,33
